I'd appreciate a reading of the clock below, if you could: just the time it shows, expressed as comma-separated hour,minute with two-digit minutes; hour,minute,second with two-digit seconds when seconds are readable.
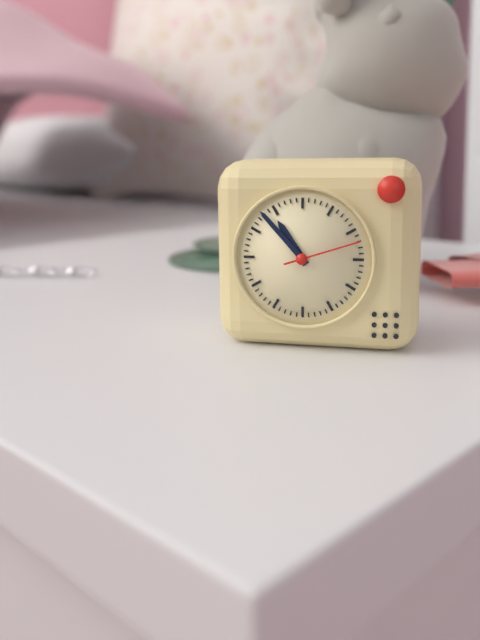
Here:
10,53,12
